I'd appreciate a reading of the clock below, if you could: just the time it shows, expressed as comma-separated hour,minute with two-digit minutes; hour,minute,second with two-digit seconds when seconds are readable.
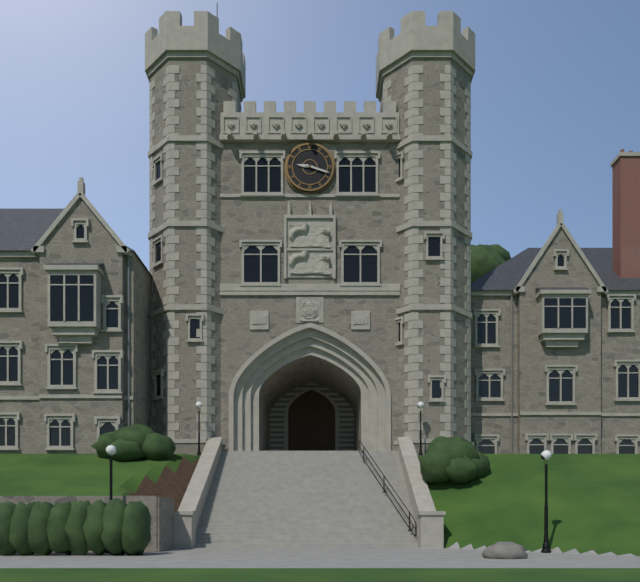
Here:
9,18
